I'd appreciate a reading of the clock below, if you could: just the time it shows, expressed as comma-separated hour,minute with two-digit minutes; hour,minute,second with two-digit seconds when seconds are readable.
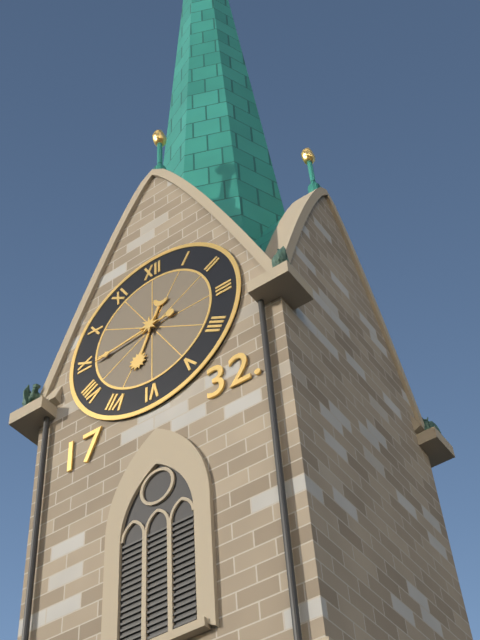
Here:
6,44
